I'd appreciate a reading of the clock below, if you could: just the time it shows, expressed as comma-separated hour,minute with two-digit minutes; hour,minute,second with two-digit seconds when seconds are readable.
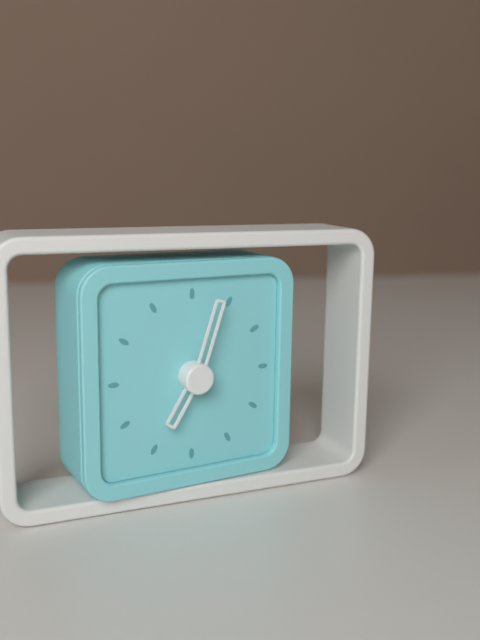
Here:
7,03
